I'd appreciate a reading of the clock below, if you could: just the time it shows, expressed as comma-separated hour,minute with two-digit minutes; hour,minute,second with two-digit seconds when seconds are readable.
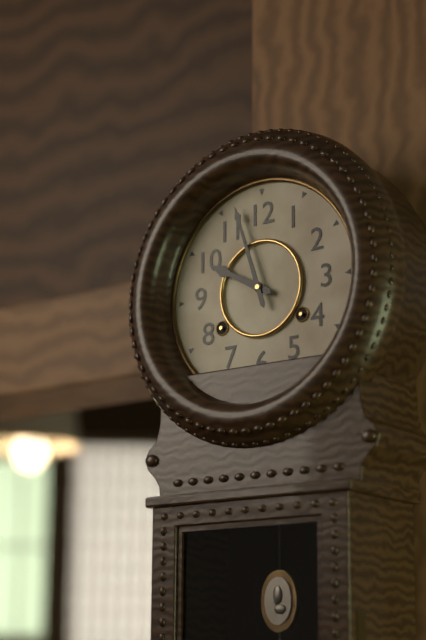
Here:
9,57
